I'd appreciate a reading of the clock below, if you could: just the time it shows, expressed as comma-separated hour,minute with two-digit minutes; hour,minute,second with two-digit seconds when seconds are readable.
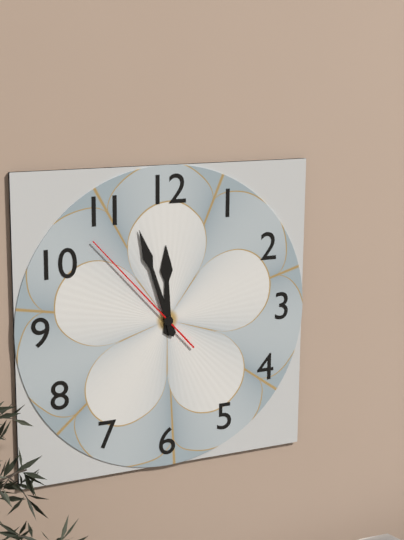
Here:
11,57,53
